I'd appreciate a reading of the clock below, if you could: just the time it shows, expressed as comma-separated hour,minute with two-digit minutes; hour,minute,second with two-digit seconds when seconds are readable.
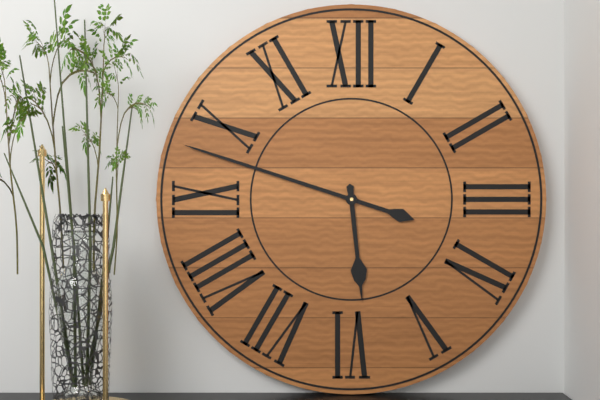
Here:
5,48
